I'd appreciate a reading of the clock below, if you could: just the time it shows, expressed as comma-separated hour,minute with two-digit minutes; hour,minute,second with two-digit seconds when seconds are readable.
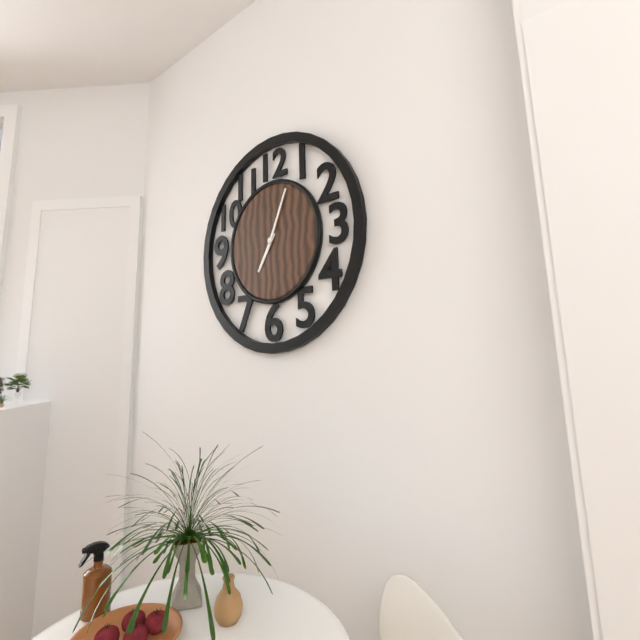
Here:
7,04
